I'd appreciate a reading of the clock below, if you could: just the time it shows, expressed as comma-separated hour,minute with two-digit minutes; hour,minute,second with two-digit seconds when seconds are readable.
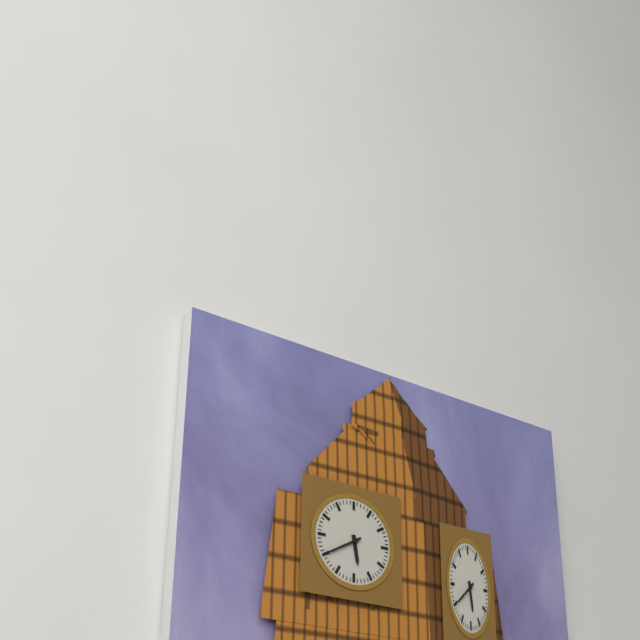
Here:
5,40
